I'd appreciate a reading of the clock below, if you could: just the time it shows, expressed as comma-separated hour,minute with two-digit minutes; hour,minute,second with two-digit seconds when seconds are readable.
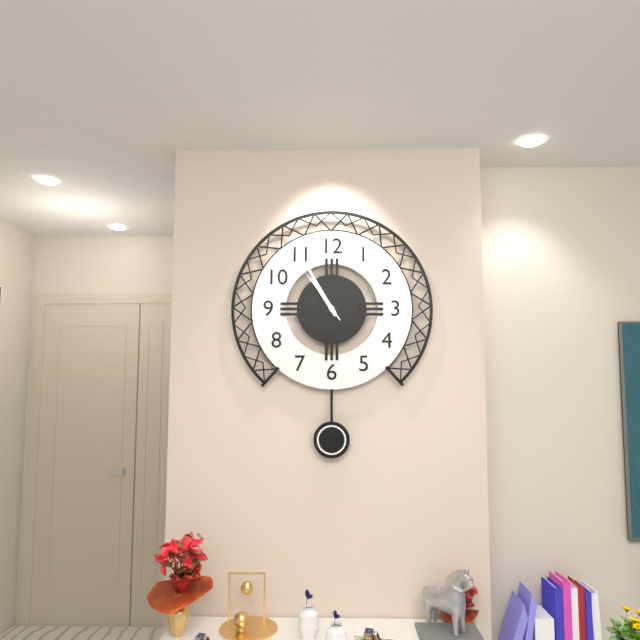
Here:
10,55,54
